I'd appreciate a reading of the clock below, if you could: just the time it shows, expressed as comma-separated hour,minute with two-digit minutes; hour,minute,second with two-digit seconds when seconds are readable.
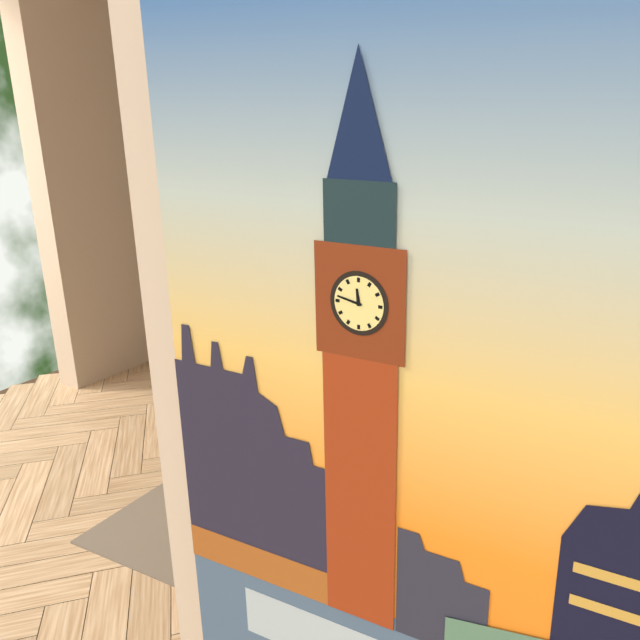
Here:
11,47
